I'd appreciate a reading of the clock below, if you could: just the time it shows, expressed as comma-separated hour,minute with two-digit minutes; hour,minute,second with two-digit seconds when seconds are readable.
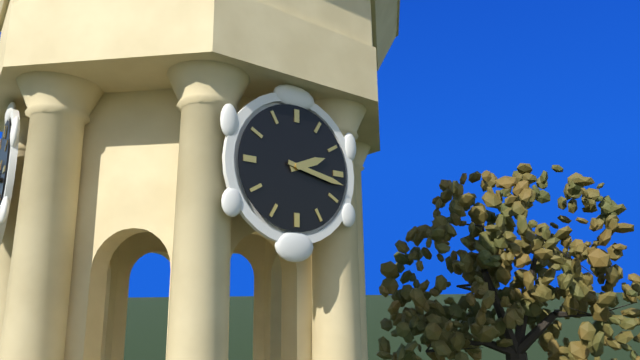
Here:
2,17
